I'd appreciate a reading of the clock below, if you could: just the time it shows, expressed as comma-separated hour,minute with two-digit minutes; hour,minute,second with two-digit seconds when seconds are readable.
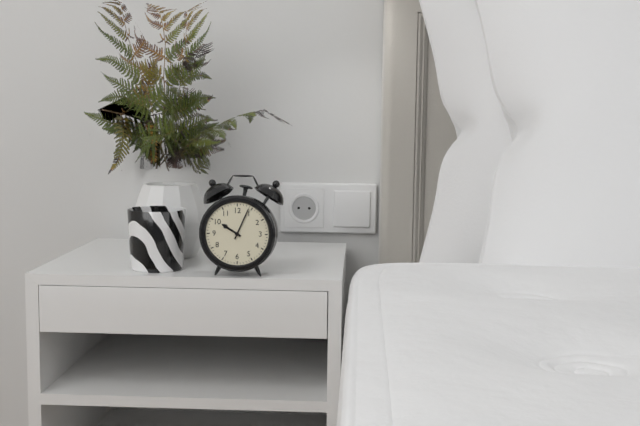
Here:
10,04
